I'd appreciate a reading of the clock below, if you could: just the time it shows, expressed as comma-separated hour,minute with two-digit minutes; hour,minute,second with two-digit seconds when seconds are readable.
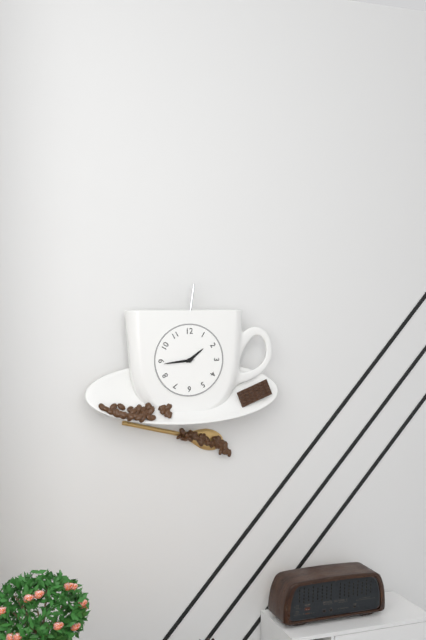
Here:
1,44
